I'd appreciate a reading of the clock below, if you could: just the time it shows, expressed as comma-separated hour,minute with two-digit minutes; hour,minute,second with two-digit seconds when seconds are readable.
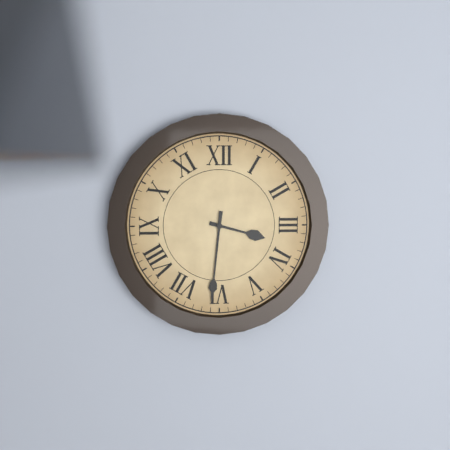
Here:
3,31
